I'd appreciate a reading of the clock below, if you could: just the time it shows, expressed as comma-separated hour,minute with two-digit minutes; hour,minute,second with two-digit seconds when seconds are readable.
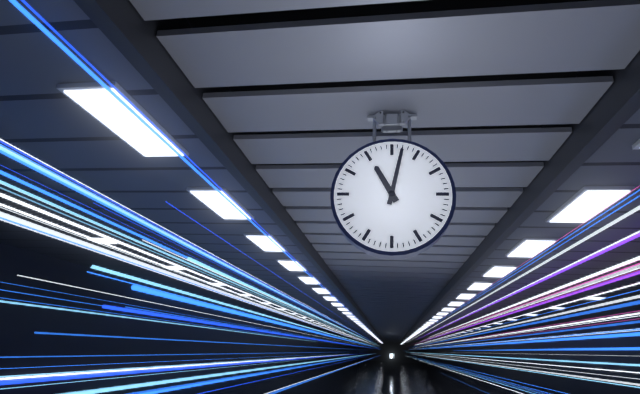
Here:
11,02
